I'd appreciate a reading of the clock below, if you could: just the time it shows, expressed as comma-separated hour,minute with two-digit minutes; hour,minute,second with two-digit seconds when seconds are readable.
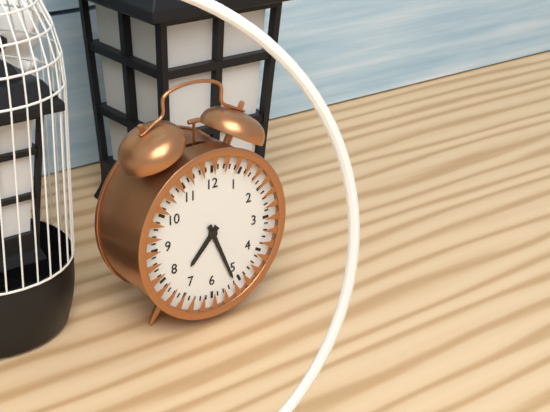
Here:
7,26
